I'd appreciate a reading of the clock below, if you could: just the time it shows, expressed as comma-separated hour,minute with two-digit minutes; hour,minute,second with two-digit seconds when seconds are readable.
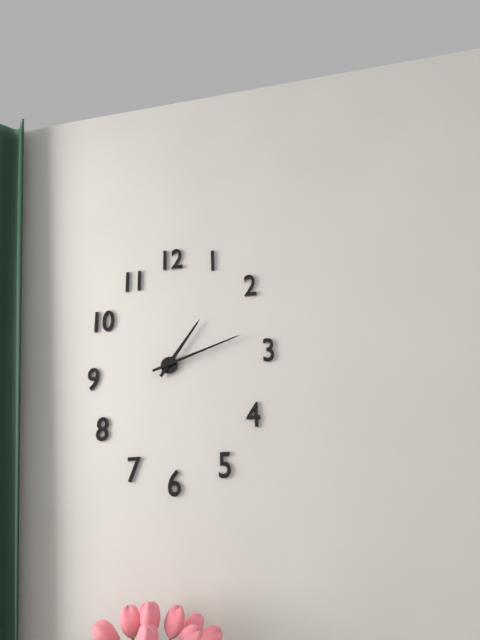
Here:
1,12
